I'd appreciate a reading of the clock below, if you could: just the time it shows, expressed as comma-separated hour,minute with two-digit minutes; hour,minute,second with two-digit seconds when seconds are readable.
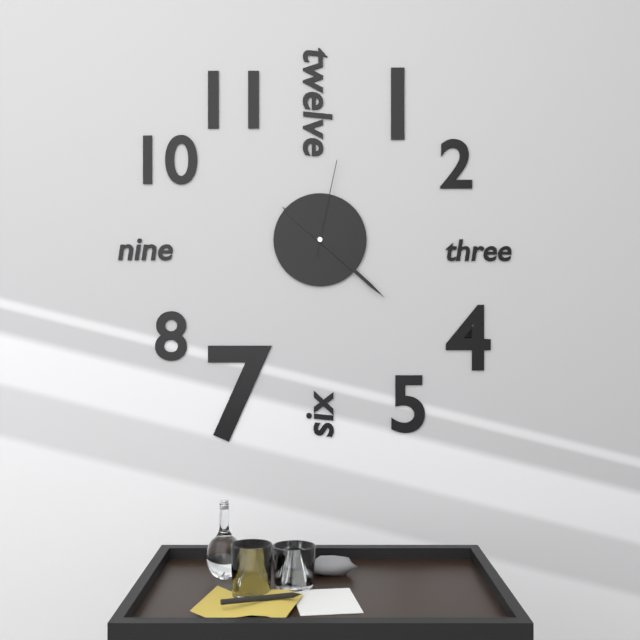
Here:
10,22,02
